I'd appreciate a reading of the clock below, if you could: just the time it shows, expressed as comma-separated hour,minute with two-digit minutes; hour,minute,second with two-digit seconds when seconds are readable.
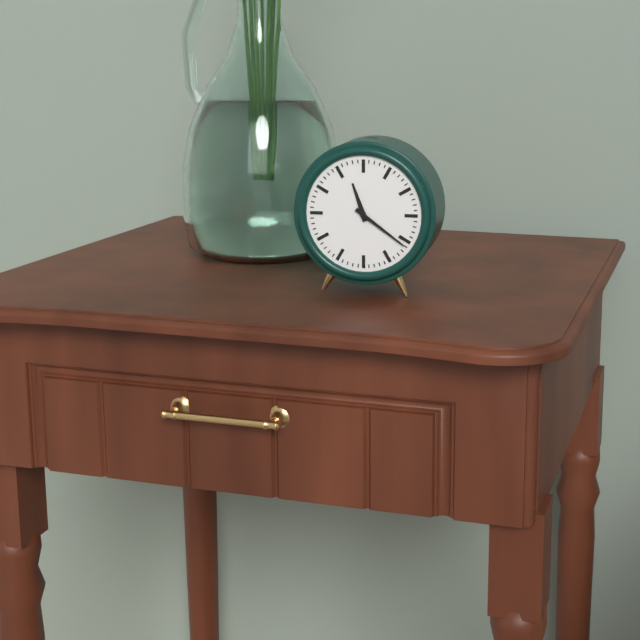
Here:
11,21
